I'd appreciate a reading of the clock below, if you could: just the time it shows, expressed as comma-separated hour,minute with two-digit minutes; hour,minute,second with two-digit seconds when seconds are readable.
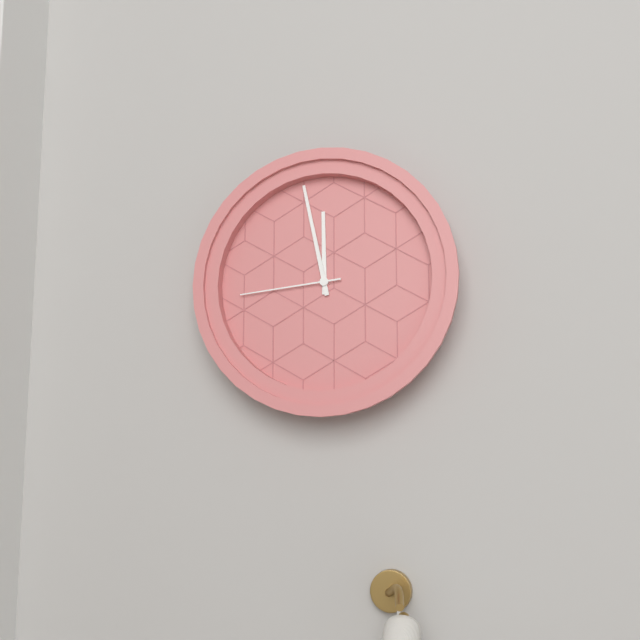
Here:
11,58,44
